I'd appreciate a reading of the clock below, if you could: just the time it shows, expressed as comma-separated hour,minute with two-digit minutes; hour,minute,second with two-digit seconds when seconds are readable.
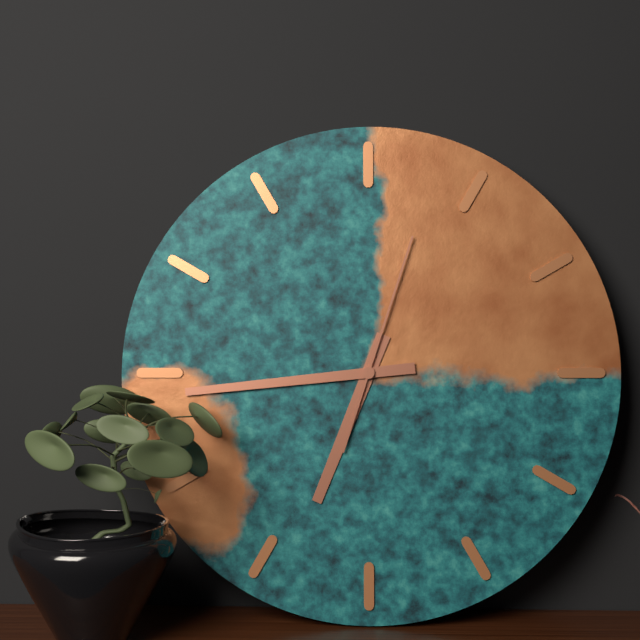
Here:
6,44,03
